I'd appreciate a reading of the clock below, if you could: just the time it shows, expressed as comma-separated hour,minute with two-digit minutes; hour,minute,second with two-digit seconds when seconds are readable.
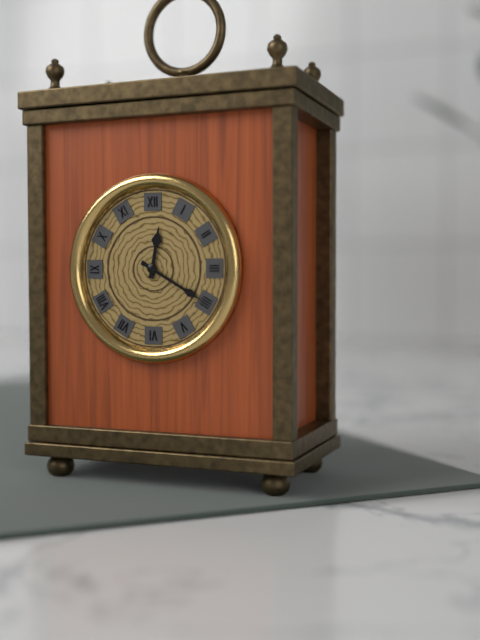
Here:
12,20
